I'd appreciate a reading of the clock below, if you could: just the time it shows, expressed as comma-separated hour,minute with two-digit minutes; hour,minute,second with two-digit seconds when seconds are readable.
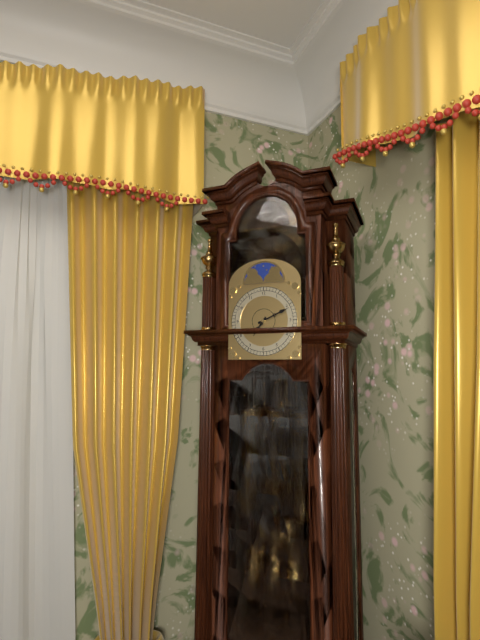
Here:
7,11
